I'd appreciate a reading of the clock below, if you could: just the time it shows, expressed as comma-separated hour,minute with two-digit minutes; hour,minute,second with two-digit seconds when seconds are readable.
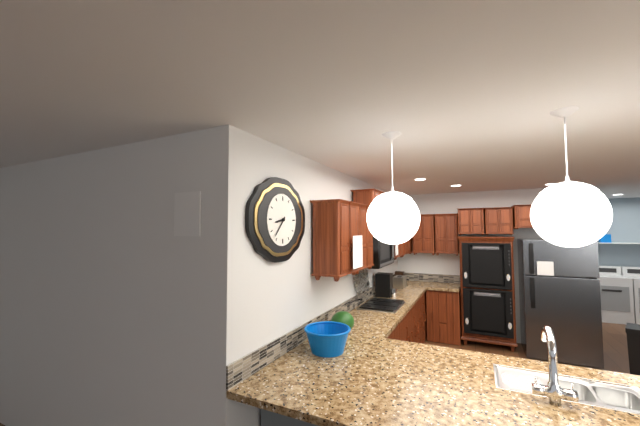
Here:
8,37
